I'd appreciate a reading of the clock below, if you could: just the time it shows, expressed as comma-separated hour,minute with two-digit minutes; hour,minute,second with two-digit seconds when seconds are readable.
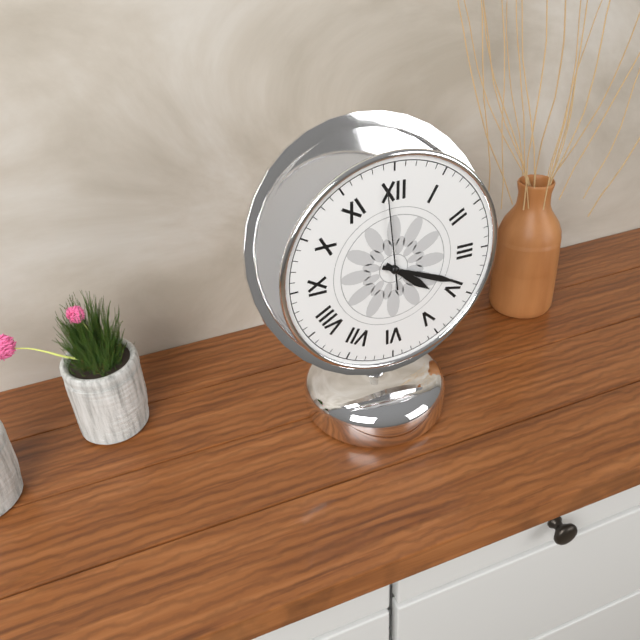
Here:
4,19,59
